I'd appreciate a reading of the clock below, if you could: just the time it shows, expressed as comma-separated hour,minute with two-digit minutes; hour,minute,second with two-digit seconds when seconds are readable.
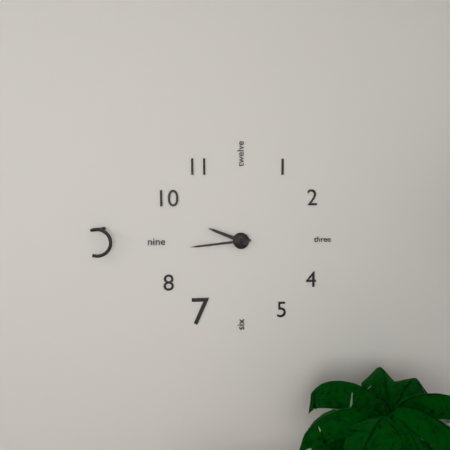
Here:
9,44
